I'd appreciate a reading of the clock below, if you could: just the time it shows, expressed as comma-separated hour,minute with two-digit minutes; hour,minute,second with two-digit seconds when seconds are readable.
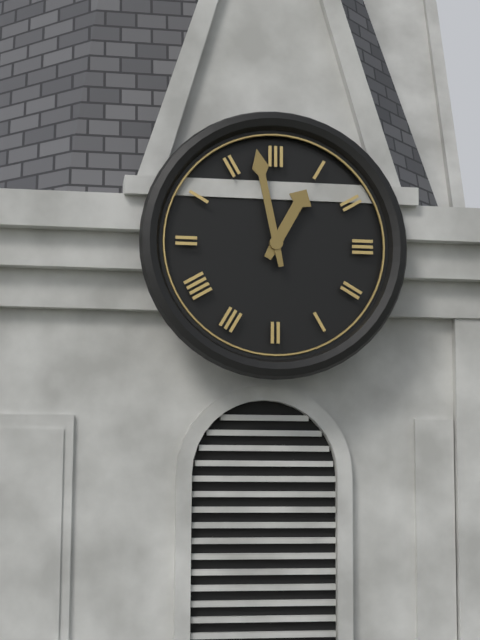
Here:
12,58
